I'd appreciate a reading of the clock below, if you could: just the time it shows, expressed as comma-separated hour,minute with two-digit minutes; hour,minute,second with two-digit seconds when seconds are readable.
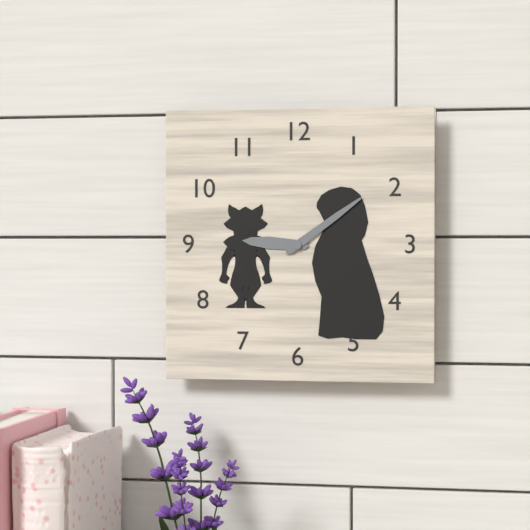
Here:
9,09
